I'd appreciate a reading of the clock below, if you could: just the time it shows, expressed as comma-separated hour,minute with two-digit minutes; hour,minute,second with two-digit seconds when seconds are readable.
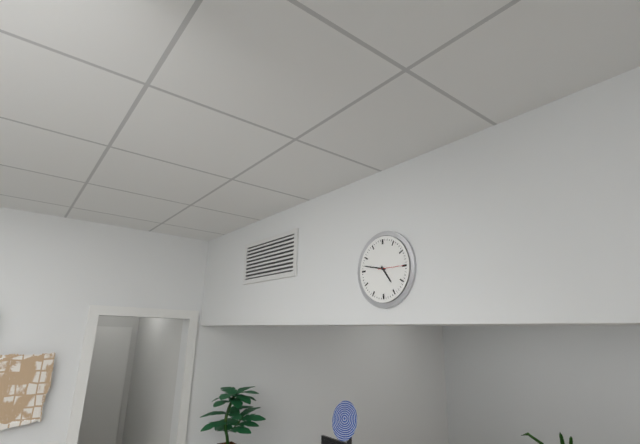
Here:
4,47
